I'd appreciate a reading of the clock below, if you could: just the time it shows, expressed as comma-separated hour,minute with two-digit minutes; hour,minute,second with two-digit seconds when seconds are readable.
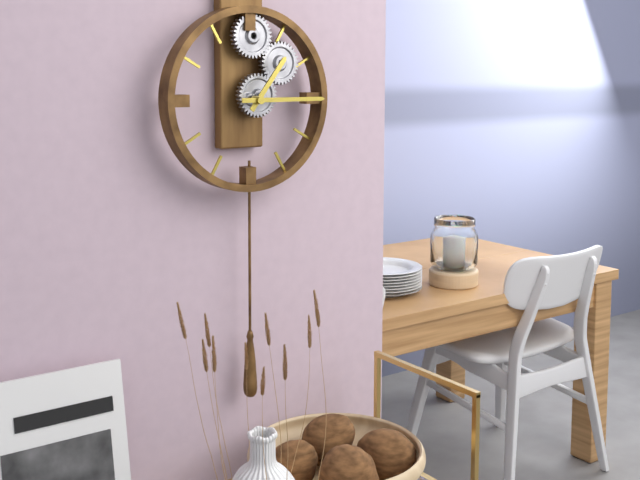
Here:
1,15
